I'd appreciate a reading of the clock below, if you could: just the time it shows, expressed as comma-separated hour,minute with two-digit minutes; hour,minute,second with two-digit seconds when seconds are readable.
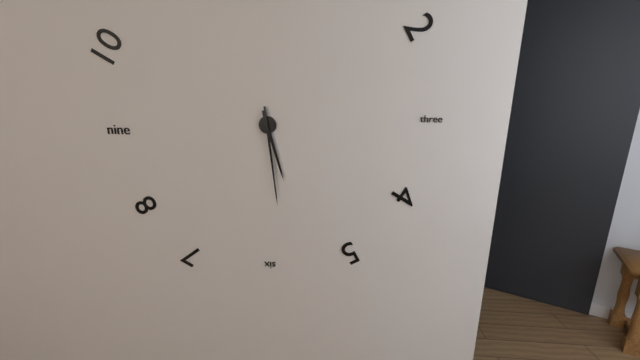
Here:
5,29
